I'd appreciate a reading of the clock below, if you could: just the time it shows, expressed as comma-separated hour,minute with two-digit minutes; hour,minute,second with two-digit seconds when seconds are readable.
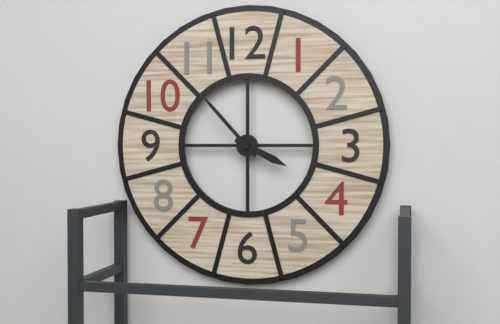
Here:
3,53
